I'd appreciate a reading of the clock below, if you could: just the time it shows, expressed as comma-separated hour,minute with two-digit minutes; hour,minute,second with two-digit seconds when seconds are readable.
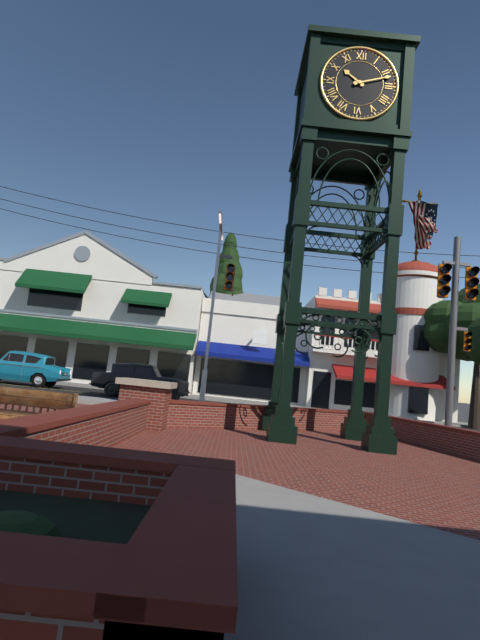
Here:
10,12
